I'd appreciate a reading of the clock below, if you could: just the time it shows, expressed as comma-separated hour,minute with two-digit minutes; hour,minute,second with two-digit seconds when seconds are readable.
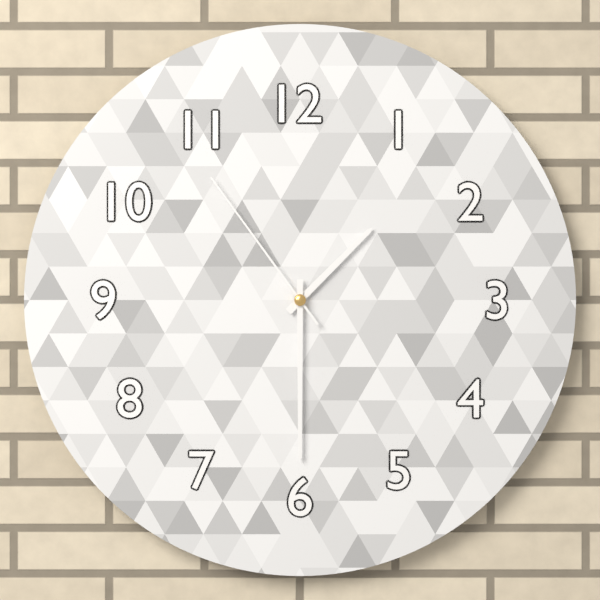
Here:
1,30,54
